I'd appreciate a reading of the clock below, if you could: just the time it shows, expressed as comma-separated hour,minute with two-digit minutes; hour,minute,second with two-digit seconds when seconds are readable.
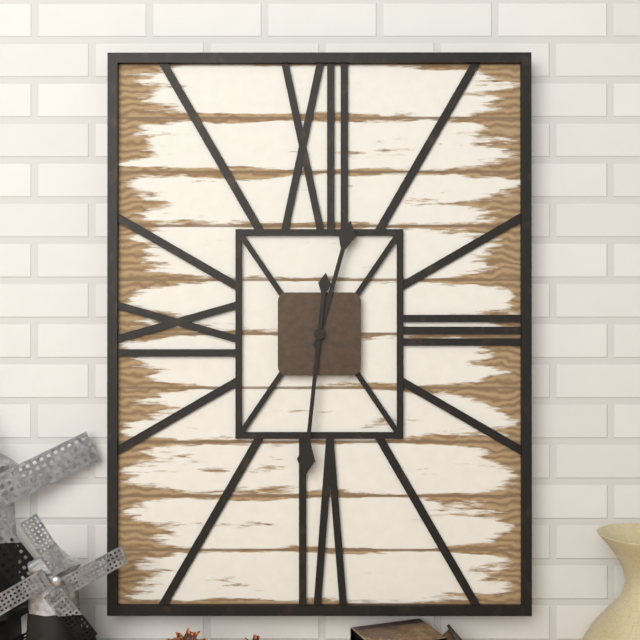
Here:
12,31
